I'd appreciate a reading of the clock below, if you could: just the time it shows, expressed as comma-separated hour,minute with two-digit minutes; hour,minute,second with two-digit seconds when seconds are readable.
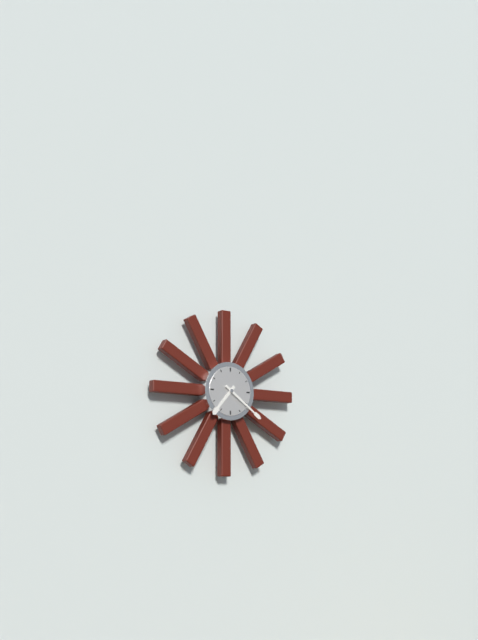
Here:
7,21
